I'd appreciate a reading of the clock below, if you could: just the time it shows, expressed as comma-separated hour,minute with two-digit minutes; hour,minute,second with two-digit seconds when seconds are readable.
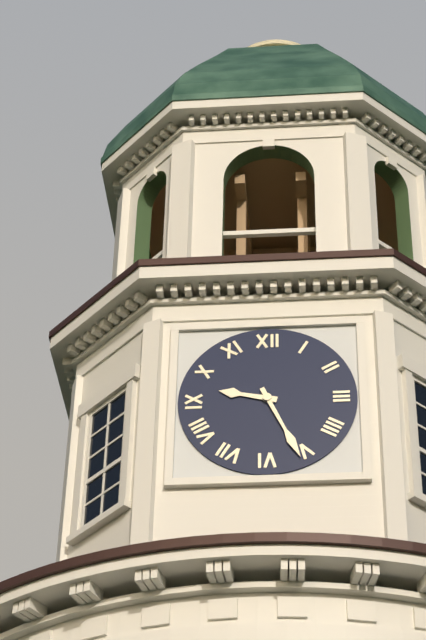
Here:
9,26
